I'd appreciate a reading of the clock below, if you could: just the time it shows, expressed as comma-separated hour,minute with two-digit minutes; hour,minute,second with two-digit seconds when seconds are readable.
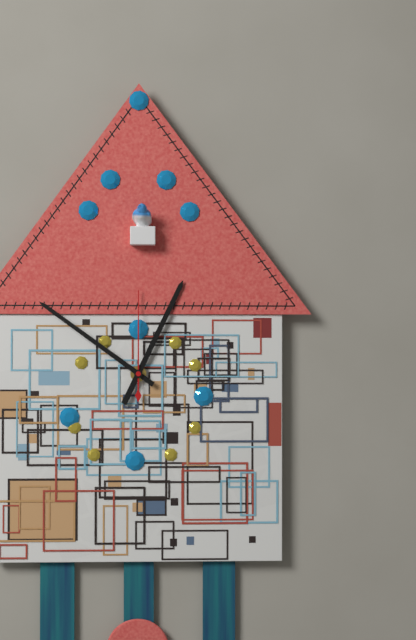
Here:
12,51,00
